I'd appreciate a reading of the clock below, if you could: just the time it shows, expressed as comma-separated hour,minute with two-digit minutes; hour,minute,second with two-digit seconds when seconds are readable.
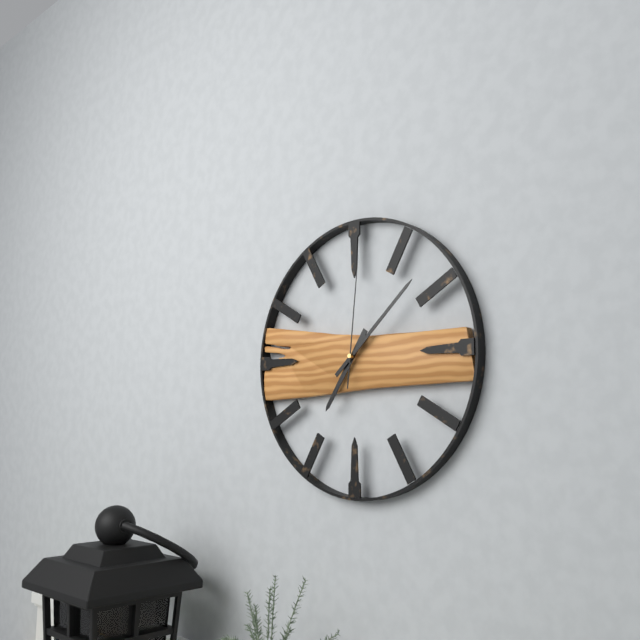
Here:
7,08,01
